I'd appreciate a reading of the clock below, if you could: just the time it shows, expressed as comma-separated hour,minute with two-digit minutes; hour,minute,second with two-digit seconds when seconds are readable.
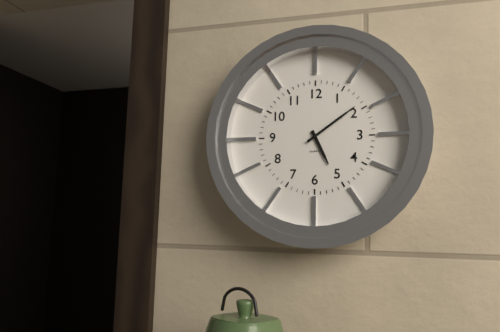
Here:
5,09
